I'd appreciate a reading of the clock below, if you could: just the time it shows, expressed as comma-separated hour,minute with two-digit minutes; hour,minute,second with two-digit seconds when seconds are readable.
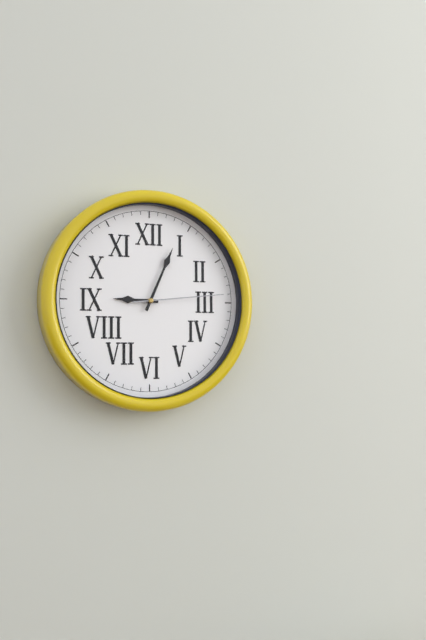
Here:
9,04,14
